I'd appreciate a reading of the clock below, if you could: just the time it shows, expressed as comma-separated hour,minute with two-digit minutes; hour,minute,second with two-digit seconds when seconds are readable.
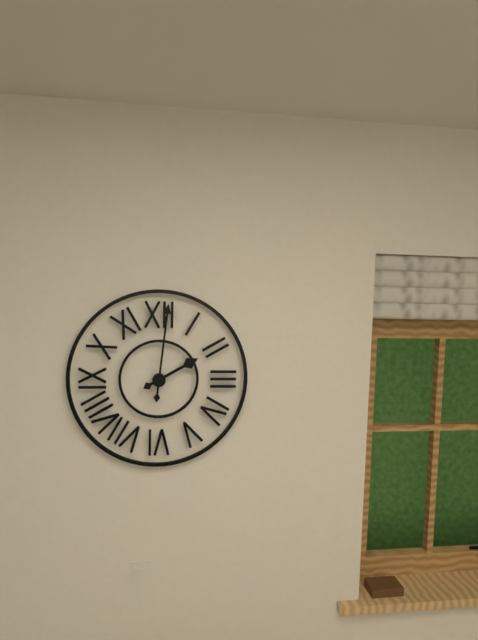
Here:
2,01
